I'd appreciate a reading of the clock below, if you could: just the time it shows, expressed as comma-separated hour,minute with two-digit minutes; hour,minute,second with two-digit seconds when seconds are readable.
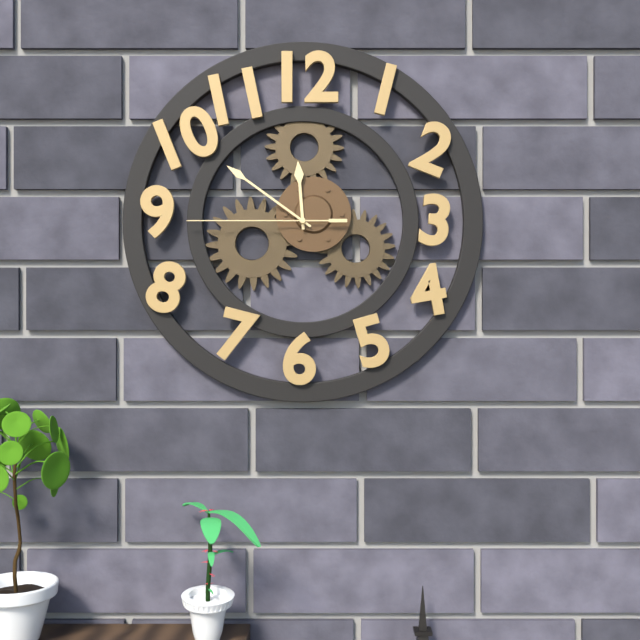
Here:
11,51,45
